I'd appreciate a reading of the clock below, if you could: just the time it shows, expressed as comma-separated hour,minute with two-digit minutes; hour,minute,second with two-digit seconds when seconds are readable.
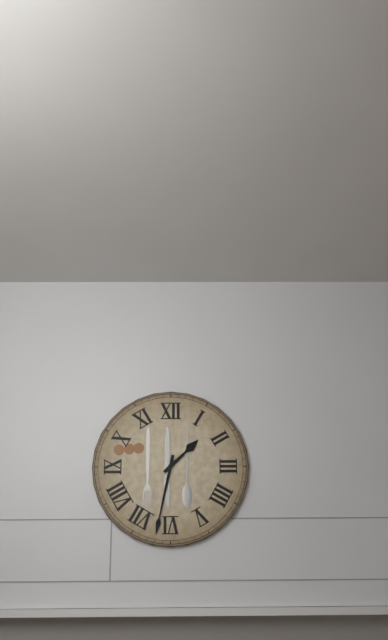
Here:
1,32
